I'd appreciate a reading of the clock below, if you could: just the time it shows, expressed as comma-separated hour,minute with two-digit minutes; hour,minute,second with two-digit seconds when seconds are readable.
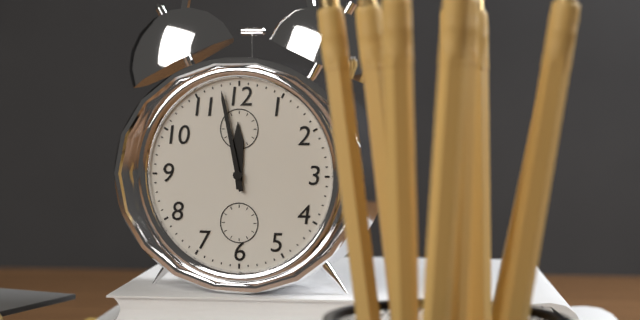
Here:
11,58
